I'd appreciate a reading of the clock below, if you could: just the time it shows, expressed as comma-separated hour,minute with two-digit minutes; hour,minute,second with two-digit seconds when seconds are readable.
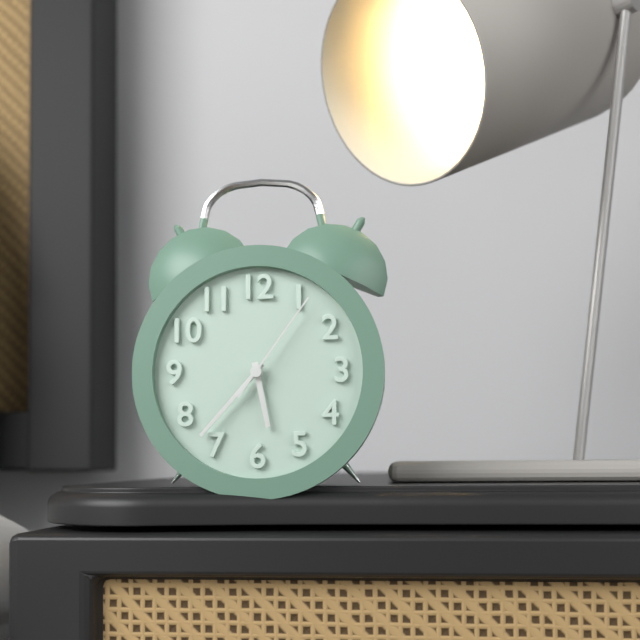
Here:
5,37,06
